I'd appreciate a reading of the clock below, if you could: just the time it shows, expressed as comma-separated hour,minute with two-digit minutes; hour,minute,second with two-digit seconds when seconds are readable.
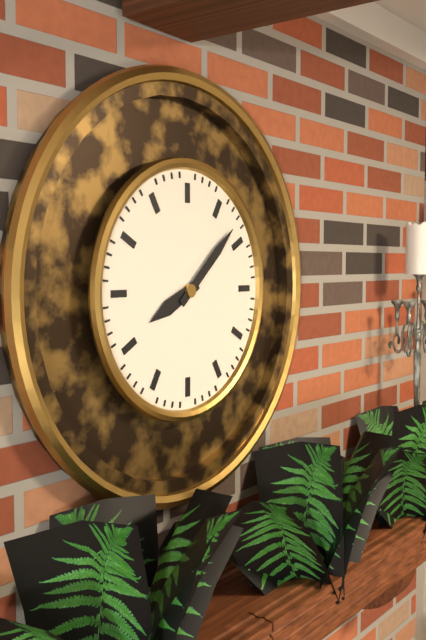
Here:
8,08
